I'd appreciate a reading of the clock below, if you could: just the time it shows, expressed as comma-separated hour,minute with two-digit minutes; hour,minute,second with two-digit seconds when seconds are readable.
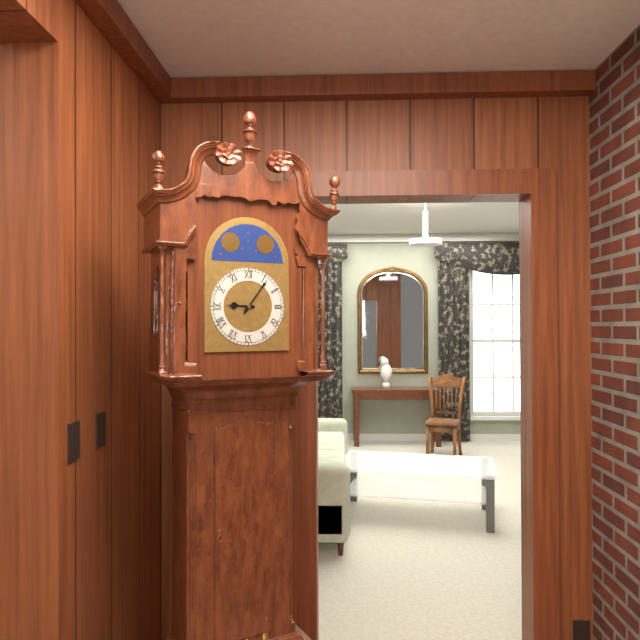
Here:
9,06
